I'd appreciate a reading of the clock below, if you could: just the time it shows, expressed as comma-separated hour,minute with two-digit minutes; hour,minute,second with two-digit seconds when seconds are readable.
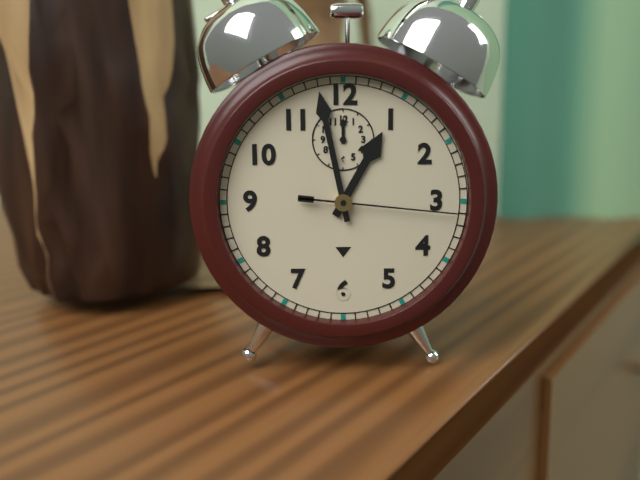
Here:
12,58,16
